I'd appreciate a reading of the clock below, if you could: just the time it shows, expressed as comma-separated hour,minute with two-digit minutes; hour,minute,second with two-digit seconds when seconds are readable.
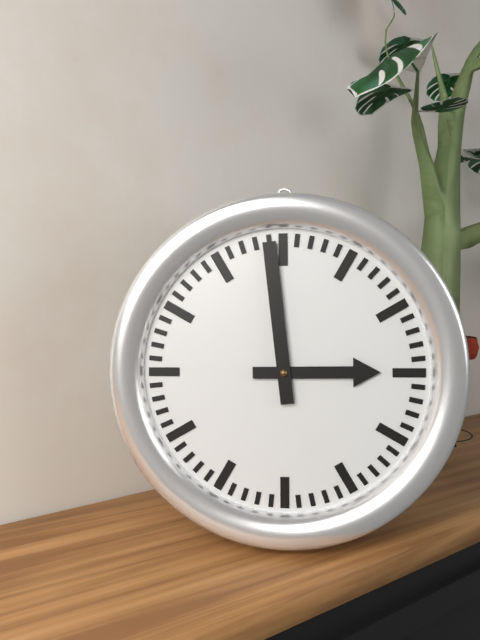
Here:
2,59
